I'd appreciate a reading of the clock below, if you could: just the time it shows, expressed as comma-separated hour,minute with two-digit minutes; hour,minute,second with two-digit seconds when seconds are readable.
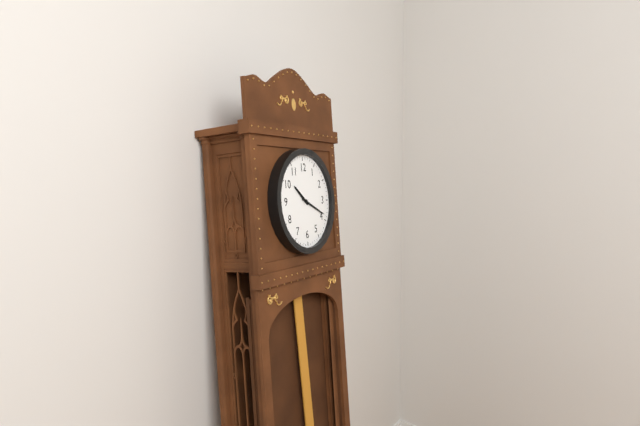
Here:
10,19
